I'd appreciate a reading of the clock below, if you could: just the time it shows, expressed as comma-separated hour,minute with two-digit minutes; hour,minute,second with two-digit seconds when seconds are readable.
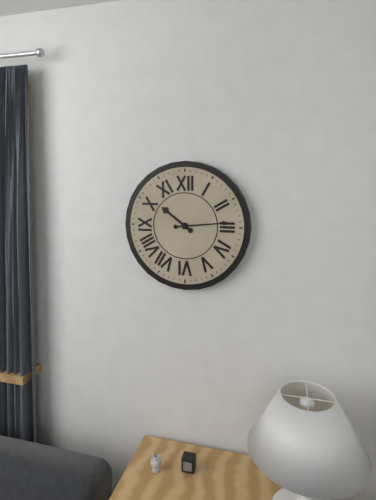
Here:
10,14
